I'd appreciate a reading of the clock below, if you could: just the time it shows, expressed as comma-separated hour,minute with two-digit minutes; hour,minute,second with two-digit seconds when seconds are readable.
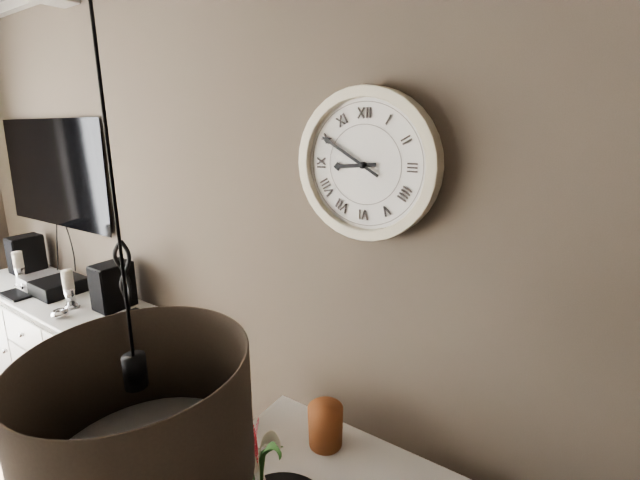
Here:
8,50
